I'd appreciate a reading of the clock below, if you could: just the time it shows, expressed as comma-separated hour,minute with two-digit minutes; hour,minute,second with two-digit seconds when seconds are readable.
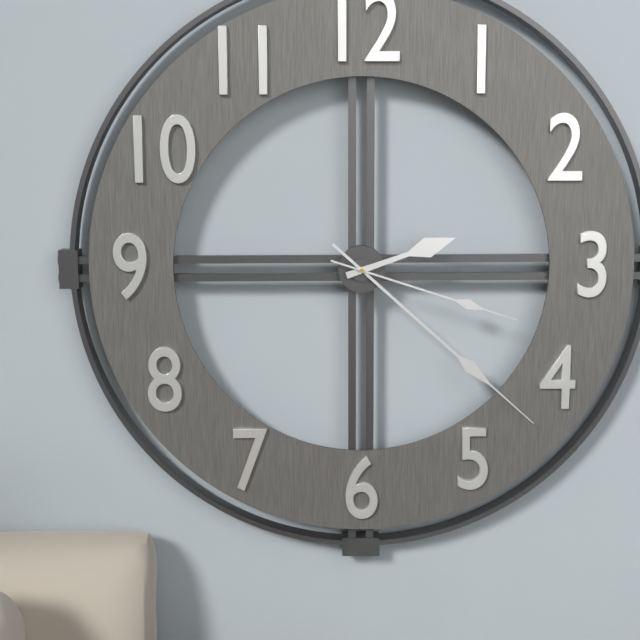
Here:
2,22,18
